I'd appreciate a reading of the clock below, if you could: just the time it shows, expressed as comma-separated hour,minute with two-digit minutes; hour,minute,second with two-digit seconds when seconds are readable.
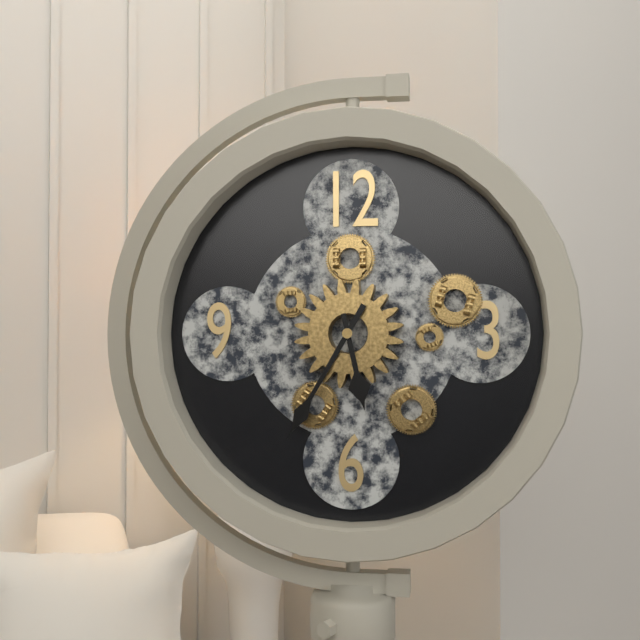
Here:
5,35
